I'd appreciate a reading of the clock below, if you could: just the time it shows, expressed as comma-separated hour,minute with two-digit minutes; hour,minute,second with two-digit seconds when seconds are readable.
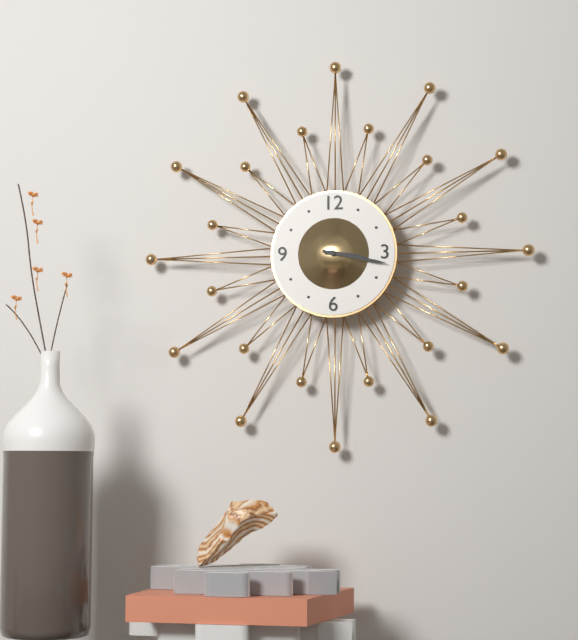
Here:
3,17
